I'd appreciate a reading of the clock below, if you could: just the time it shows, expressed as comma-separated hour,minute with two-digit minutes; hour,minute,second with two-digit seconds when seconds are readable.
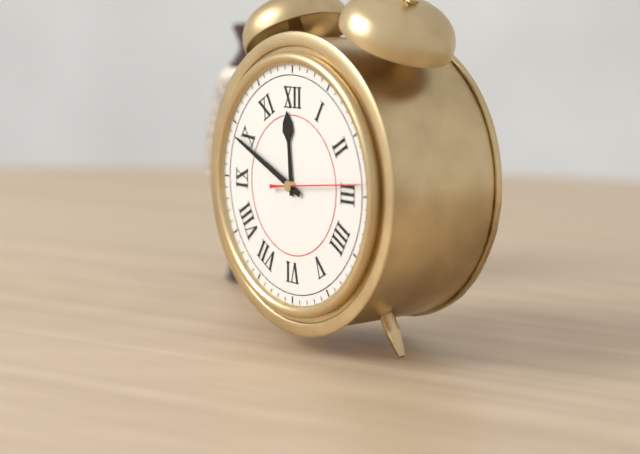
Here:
11,49,14
